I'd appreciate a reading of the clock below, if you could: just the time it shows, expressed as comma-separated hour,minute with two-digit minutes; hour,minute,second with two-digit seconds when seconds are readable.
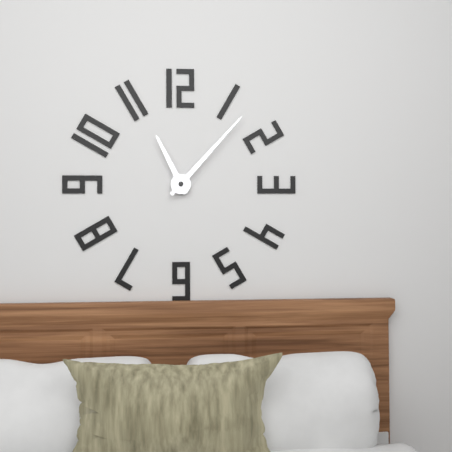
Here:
11,07
